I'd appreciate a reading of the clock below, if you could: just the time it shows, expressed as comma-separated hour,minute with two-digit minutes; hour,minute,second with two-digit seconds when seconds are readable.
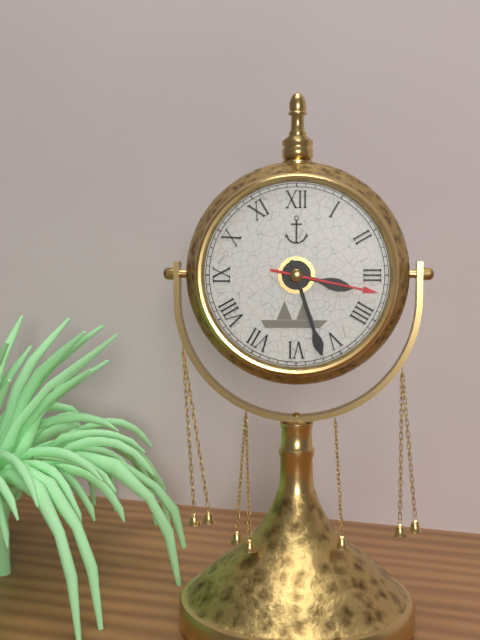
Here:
3,27,17
